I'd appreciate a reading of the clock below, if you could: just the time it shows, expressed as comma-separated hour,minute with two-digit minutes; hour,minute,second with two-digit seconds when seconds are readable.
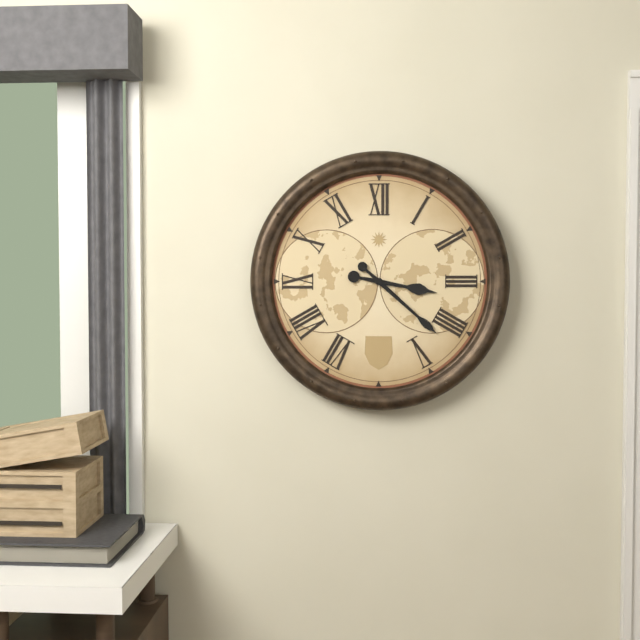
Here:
3,22
